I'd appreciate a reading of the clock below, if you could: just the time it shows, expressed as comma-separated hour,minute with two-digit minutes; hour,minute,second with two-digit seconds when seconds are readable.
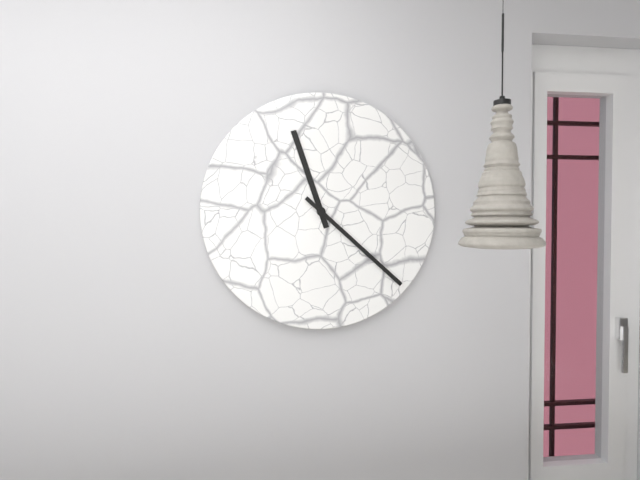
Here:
11,22
